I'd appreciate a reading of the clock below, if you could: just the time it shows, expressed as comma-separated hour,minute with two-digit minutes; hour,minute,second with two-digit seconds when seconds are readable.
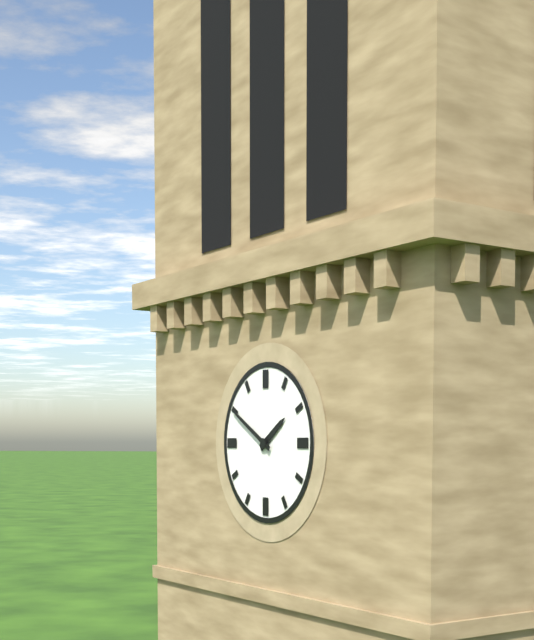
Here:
1,50
